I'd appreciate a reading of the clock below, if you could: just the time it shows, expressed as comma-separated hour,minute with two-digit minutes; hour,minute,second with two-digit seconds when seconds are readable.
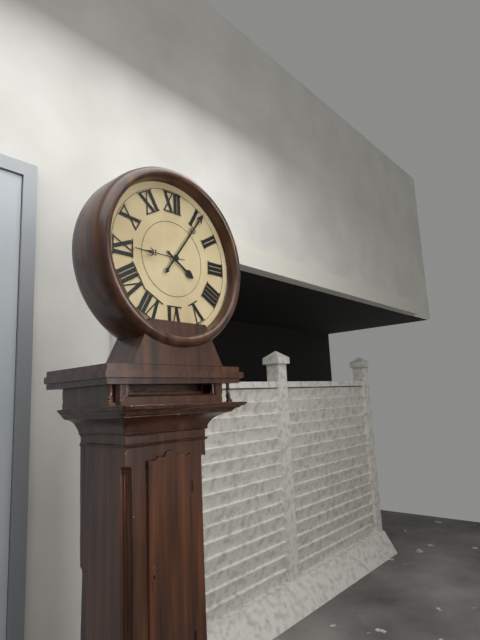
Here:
4,06
